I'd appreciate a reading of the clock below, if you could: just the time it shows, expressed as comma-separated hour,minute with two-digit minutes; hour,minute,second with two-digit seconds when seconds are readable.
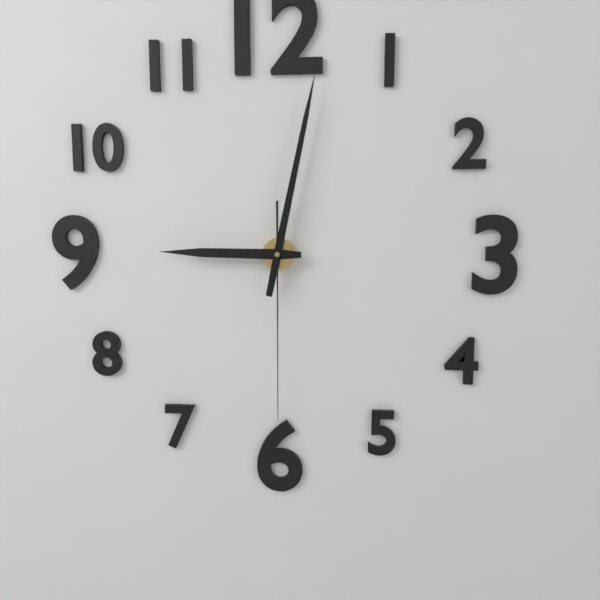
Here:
9,02,30
